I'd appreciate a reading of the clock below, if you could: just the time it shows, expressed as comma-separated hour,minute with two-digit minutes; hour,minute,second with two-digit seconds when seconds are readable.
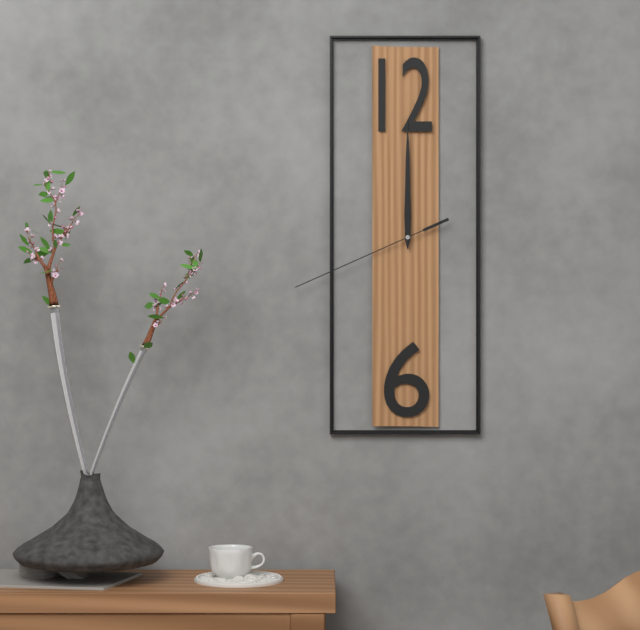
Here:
12,00,41
